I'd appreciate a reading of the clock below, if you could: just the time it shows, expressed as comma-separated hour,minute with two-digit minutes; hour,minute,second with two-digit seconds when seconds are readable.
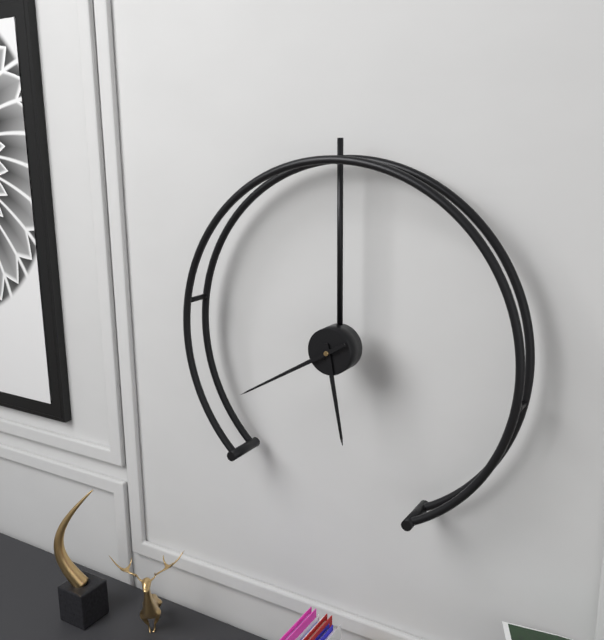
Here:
5,40
